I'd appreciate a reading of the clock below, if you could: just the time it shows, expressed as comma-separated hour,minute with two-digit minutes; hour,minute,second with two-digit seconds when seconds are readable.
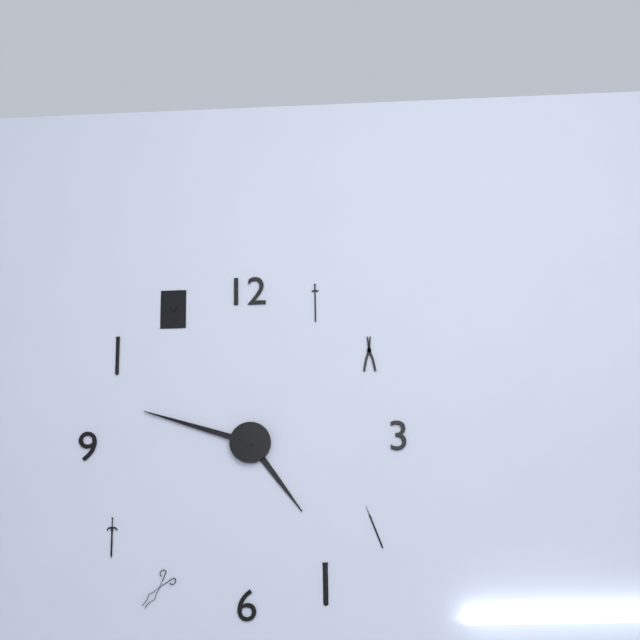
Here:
4,48
